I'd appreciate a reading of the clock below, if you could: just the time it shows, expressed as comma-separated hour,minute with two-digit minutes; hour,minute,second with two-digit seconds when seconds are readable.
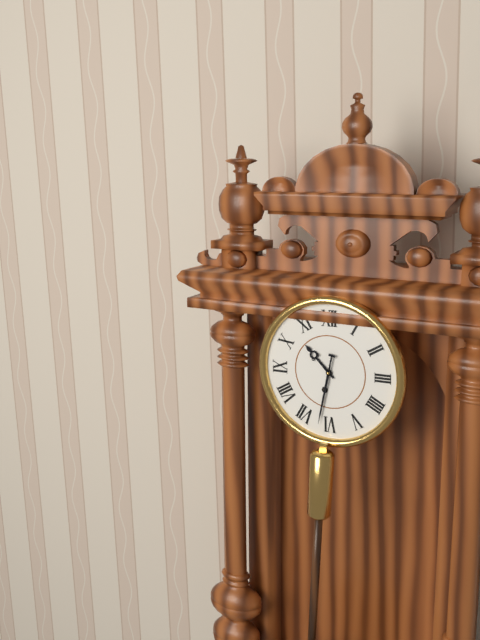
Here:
10,32
